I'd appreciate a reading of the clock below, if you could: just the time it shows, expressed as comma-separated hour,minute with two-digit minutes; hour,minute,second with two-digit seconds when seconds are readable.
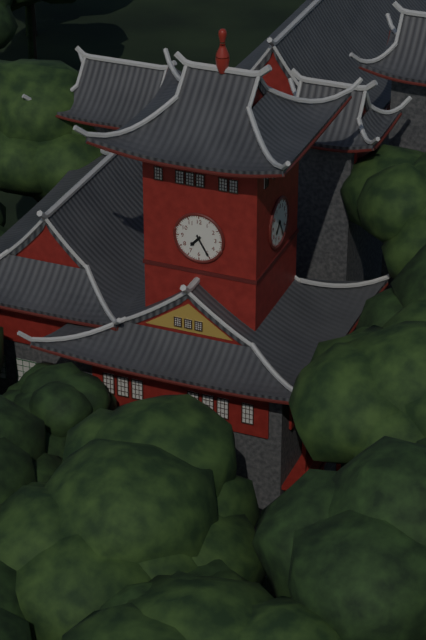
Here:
7,25
